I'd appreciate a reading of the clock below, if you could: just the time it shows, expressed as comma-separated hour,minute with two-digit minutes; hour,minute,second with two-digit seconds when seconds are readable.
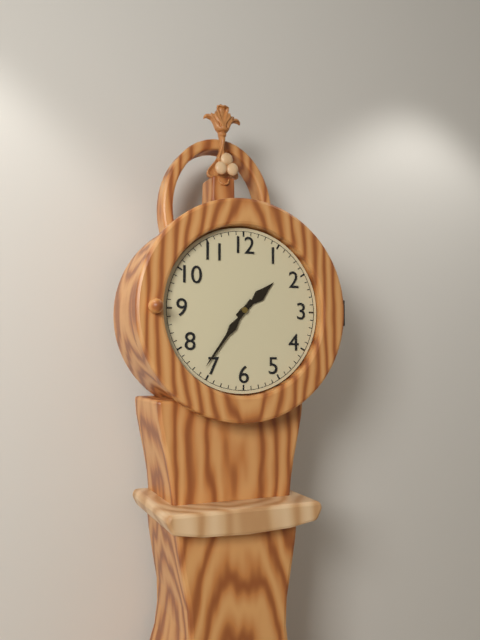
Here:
1,36
